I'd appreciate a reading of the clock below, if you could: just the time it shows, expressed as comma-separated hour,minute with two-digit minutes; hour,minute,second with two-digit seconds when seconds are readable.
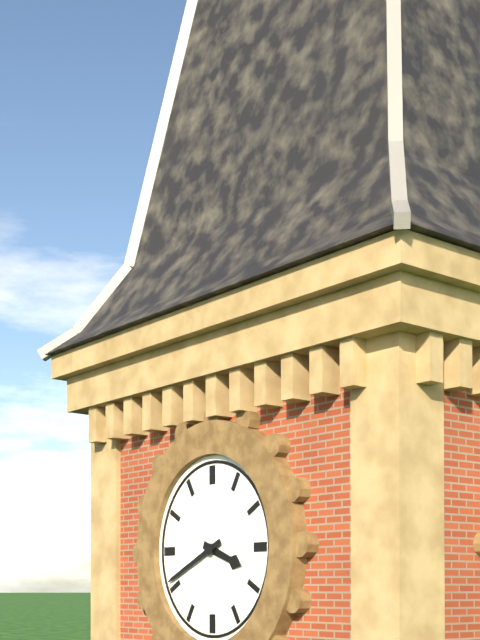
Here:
3,41
